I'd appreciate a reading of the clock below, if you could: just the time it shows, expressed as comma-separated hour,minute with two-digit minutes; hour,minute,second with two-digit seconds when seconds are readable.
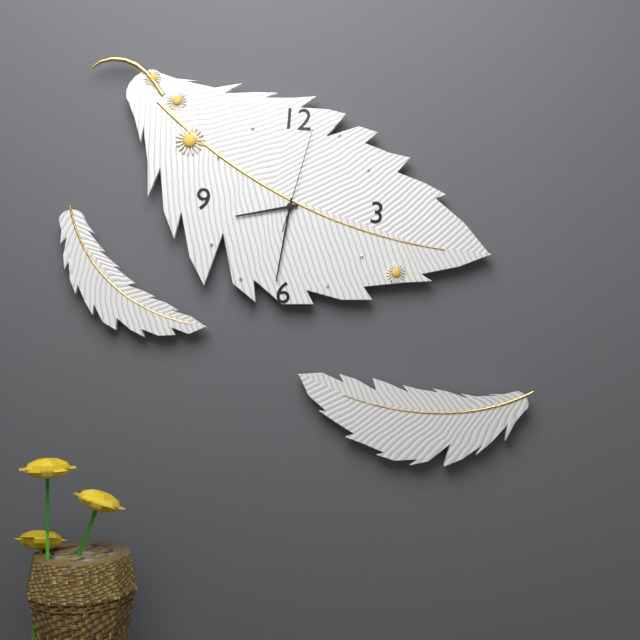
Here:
8,31,02
